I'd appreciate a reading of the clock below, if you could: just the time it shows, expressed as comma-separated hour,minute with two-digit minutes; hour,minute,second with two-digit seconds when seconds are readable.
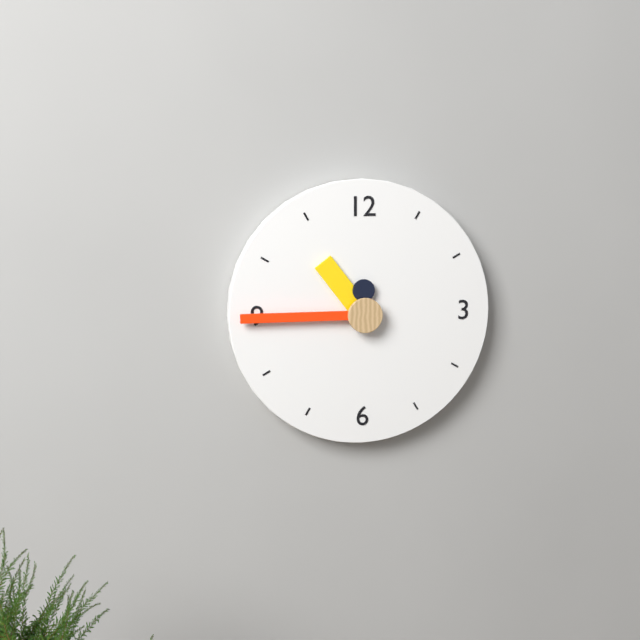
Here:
10,45
